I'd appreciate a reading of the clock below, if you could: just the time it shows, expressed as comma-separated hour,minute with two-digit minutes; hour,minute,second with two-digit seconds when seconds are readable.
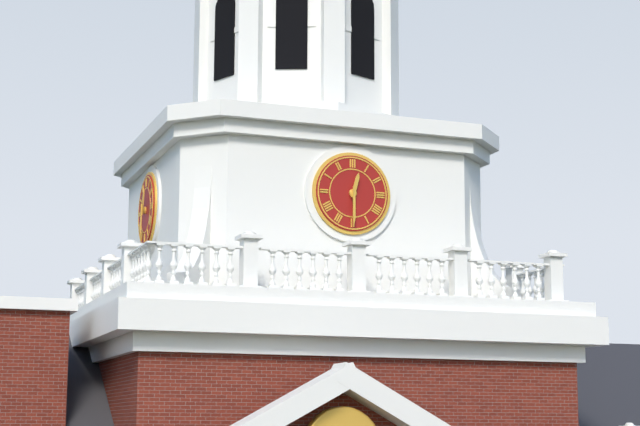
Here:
12,30
